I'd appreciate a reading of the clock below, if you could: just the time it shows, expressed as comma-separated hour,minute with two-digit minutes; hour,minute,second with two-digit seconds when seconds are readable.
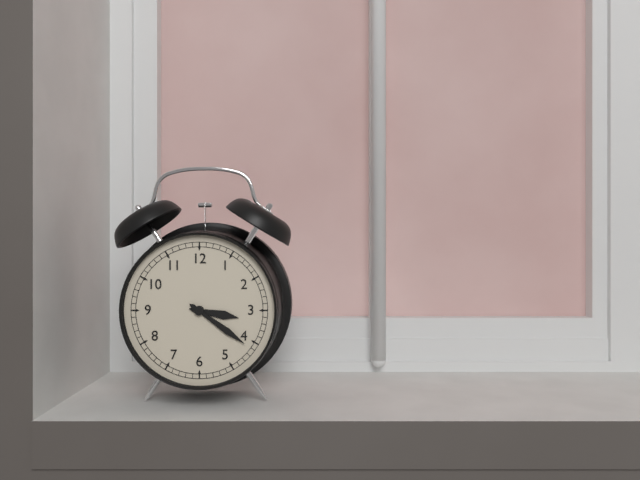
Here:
3,21
